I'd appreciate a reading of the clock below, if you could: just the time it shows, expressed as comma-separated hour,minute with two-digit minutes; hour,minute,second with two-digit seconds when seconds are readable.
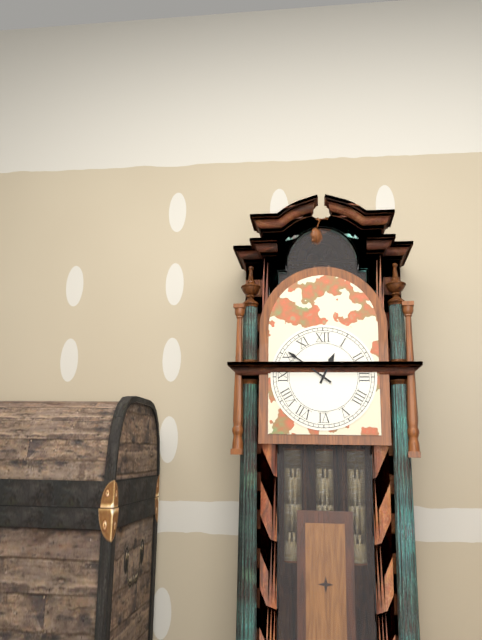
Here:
12,51
